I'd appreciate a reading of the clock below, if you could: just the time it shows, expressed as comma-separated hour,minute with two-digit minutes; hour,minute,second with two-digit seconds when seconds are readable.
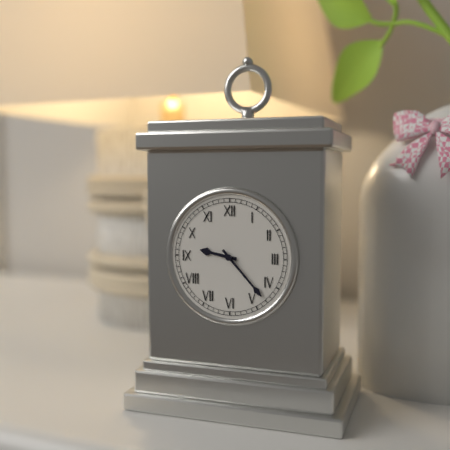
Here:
9,23
